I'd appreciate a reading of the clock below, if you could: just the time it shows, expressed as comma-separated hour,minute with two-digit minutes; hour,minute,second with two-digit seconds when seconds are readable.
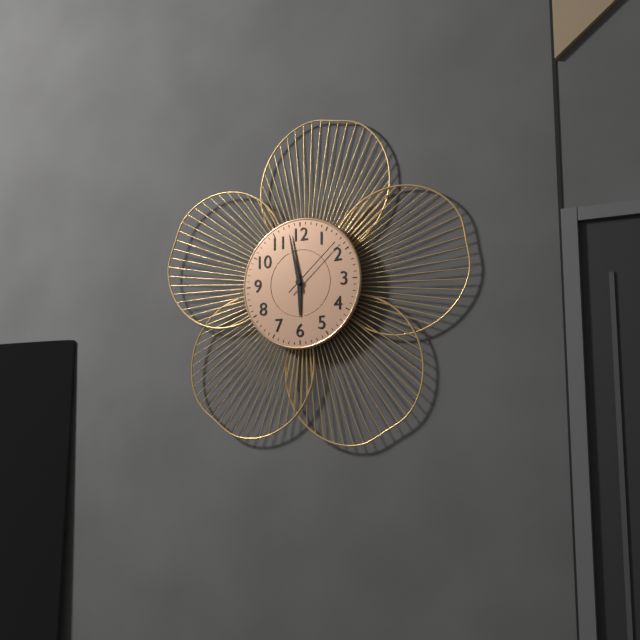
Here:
5,58,08
